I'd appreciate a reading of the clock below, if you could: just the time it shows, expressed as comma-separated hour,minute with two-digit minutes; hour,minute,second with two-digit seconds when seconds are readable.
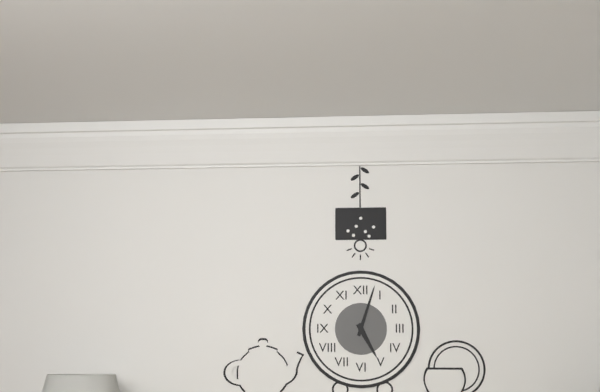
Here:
5,03
